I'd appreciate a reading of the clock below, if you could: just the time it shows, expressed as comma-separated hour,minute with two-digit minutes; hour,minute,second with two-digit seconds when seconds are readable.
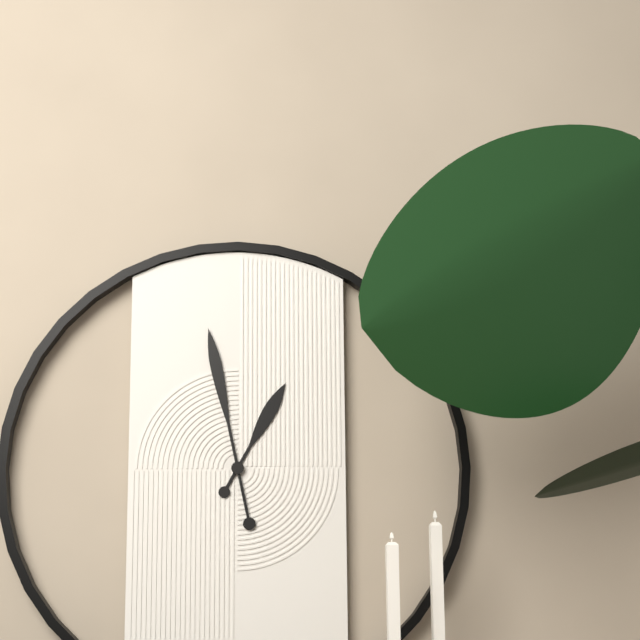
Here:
12,58
